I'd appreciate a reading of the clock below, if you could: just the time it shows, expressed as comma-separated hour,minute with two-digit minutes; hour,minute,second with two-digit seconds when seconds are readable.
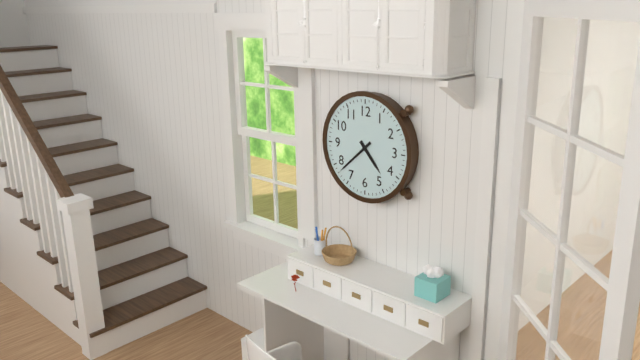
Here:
4,38
